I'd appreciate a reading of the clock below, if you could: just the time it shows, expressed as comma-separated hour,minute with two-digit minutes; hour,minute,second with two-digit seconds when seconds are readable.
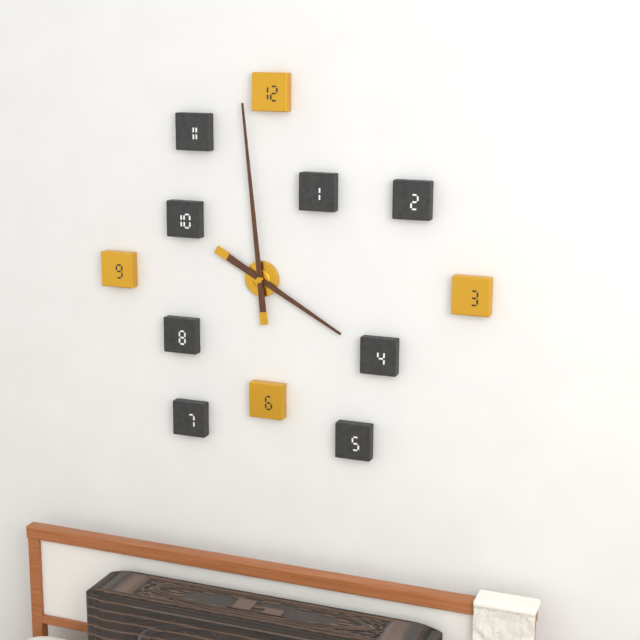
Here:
3,59
